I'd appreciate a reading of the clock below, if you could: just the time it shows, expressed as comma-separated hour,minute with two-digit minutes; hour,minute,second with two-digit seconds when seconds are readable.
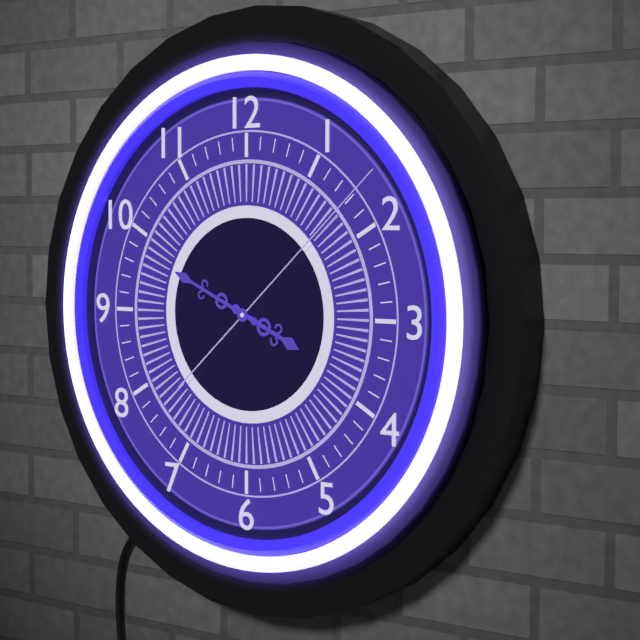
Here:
3,49,08
